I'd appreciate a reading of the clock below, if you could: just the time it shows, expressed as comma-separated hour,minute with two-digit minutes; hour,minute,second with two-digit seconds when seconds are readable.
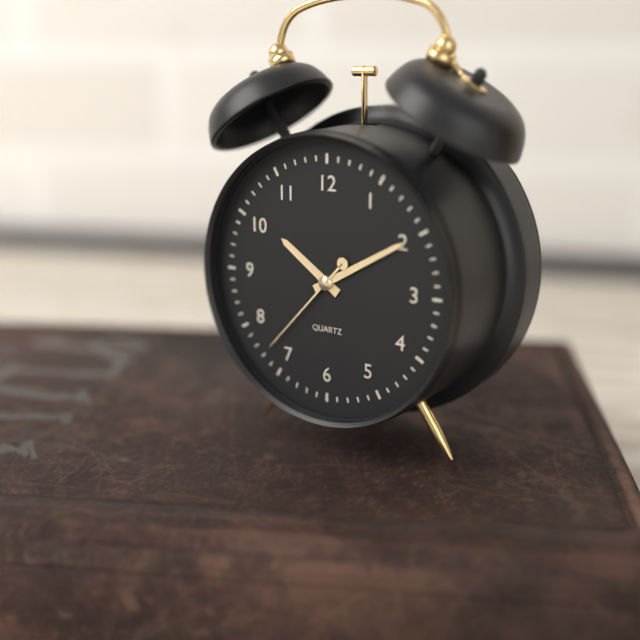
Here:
10,10,37
